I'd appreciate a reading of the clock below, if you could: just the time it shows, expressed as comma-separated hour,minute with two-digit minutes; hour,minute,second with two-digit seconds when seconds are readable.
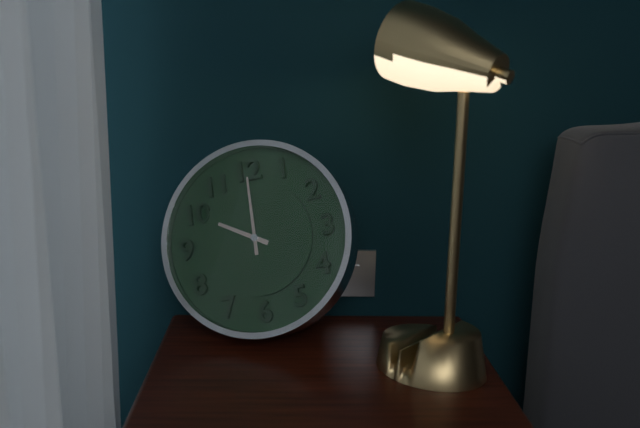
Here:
10,00
